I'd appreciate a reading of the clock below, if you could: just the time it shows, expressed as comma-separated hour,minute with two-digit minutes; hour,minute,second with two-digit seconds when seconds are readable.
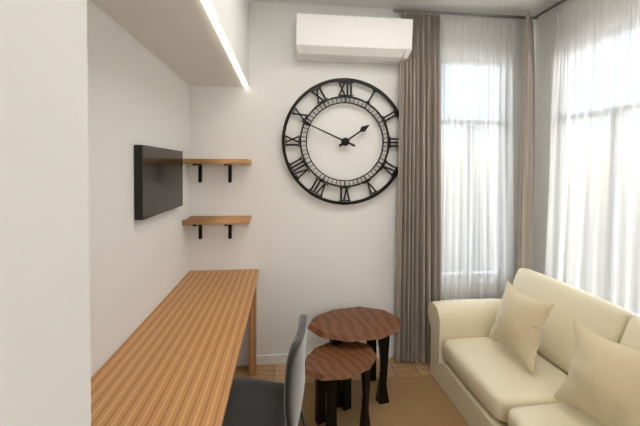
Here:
1,49
